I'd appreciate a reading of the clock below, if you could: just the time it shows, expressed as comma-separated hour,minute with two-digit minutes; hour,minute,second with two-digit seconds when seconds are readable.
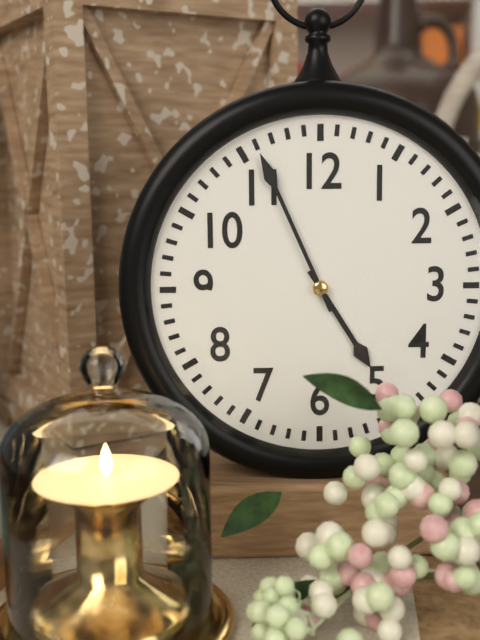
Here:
4,56
